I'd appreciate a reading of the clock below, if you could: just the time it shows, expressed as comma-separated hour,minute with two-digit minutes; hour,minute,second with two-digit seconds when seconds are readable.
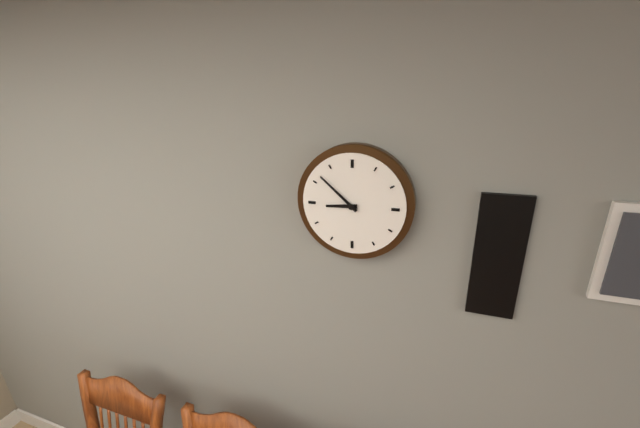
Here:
8,52
